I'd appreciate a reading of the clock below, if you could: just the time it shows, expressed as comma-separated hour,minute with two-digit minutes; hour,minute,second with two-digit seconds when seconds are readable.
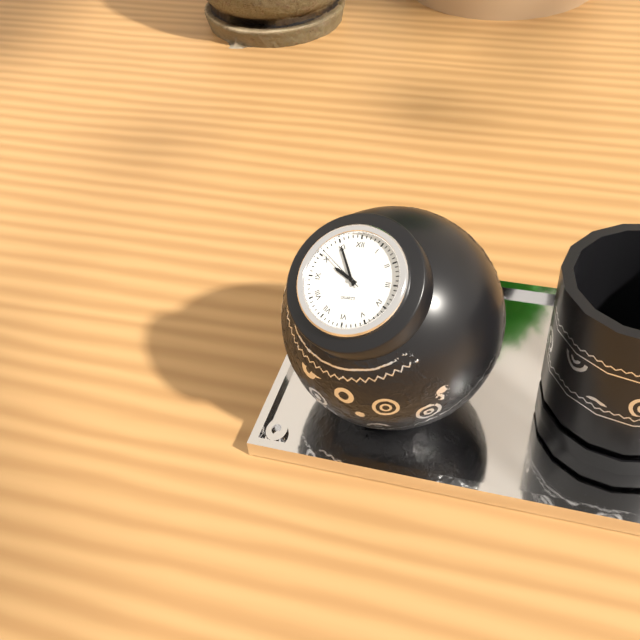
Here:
9,55,51
